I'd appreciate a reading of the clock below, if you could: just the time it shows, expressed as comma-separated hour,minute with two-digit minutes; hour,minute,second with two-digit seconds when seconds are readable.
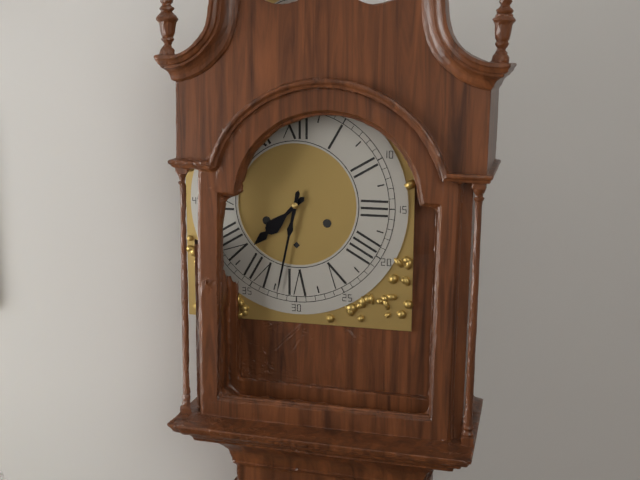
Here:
7,32
